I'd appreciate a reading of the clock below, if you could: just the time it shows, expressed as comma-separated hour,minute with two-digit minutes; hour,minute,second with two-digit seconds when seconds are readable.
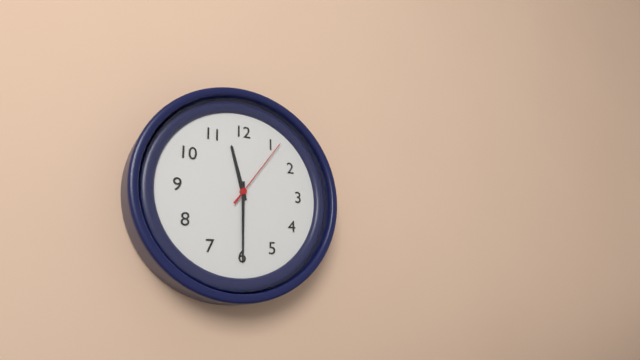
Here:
11,30,06
